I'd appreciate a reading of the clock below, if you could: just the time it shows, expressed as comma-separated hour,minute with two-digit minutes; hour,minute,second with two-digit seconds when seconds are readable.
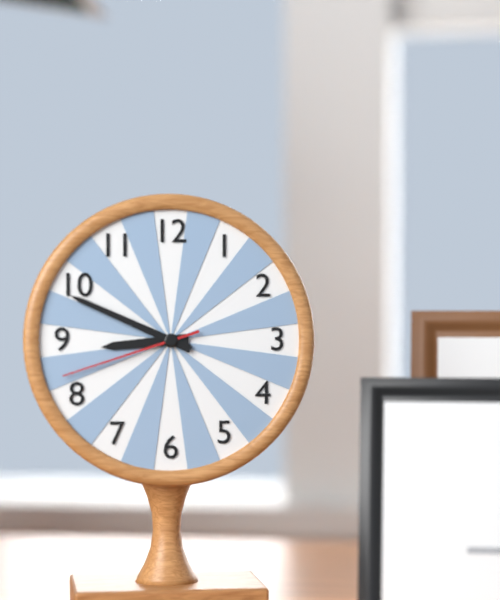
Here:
8,49,42
